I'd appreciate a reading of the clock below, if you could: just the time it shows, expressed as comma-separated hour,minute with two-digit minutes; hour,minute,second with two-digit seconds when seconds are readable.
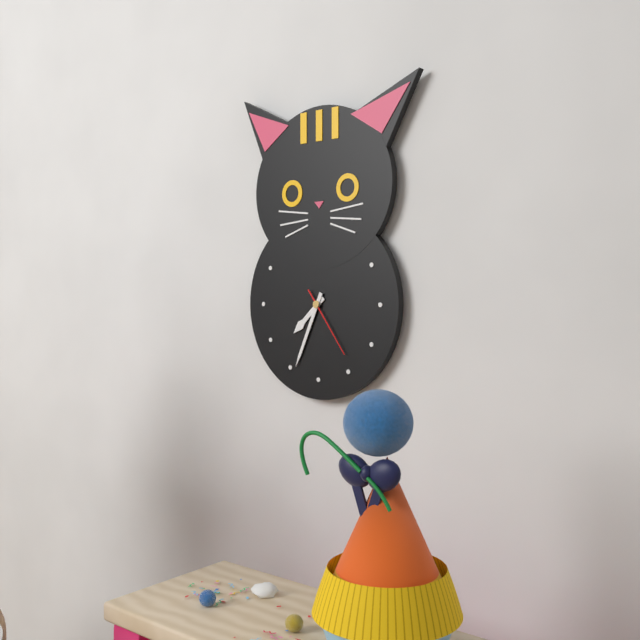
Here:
7,34,24
